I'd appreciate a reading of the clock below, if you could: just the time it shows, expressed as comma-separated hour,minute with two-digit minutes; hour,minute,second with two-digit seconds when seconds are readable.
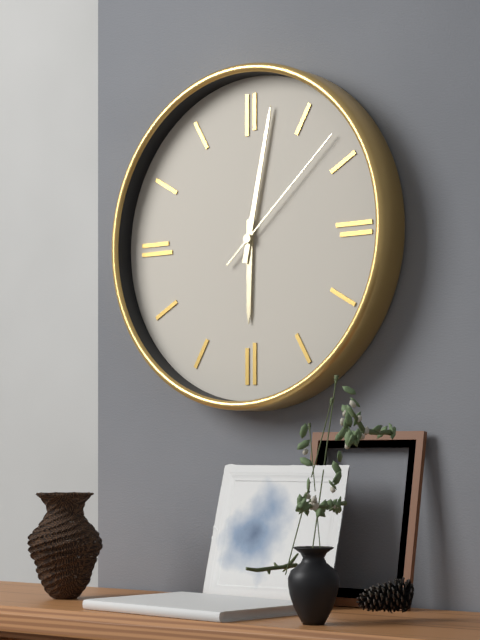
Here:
6,02,08
